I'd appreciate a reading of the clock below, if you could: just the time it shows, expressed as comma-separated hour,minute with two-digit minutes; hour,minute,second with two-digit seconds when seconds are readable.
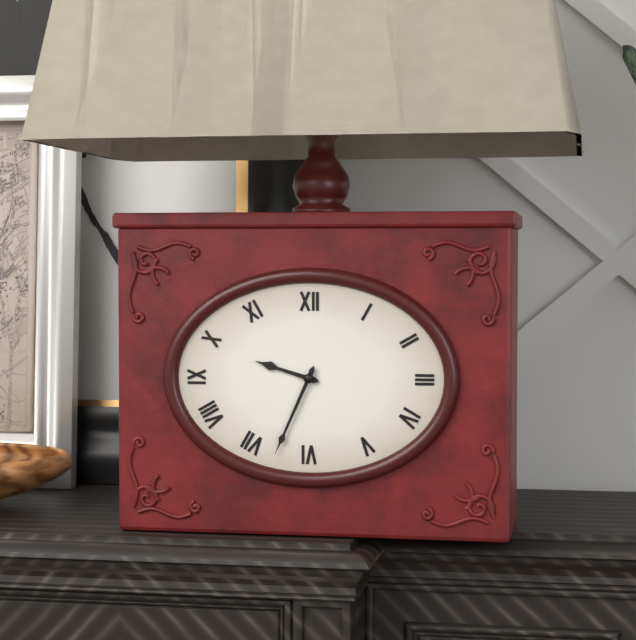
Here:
9,34
